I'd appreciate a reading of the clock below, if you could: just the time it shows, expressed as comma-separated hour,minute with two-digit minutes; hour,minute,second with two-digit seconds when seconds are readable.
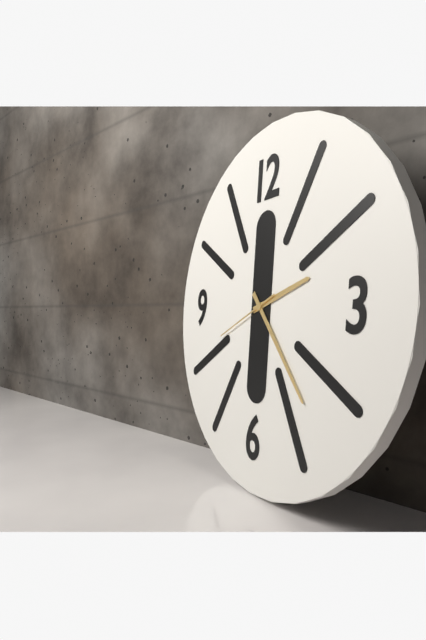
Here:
2,23,41
